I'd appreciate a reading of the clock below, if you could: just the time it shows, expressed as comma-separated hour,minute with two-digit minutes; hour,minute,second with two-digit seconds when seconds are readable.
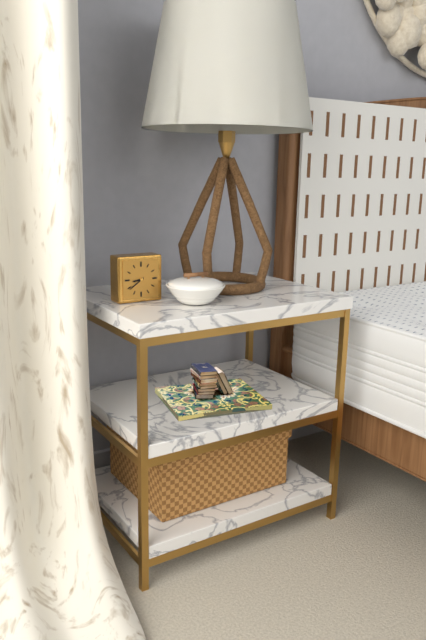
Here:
8,39
